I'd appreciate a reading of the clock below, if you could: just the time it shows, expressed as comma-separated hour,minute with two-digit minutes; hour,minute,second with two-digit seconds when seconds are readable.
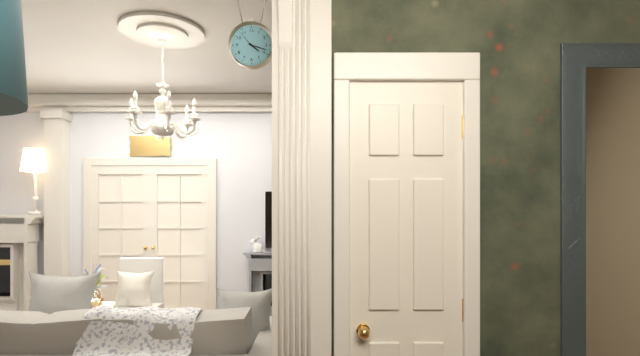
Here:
4,18
